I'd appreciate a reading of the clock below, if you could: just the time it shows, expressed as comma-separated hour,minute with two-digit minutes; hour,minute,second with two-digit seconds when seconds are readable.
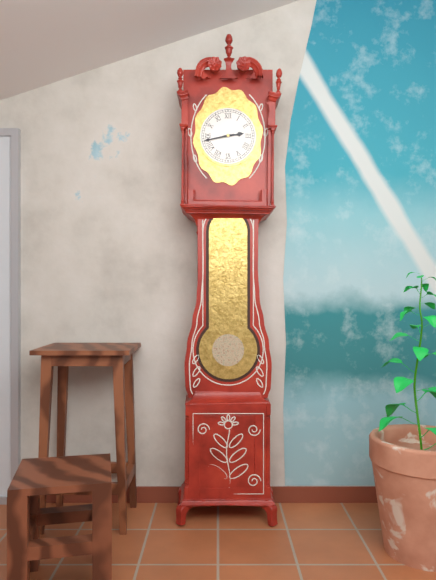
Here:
2,43
